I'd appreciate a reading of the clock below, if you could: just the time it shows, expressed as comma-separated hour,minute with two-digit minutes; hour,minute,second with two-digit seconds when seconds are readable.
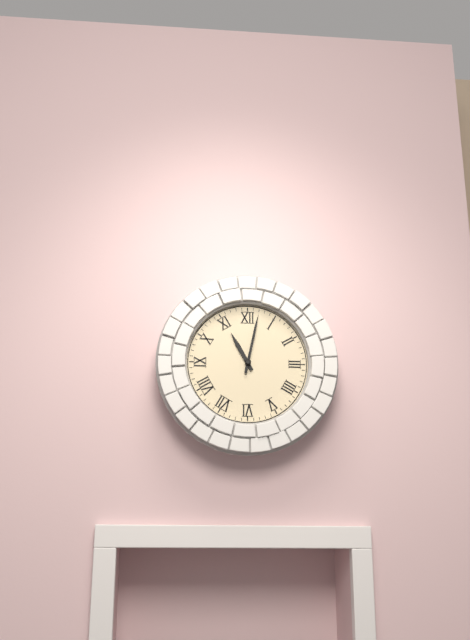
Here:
11,02
